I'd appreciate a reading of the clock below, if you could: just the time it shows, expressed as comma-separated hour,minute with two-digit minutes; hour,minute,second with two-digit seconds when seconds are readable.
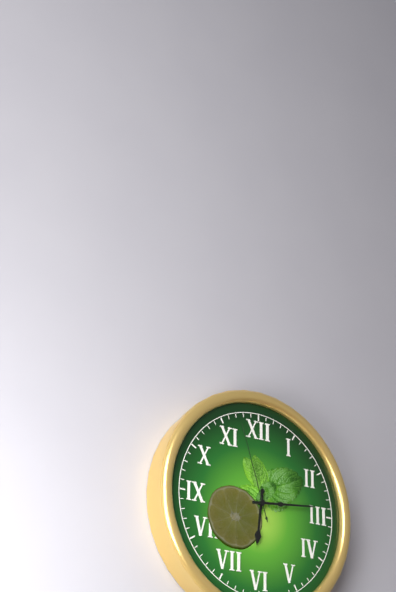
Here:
6,14,57
